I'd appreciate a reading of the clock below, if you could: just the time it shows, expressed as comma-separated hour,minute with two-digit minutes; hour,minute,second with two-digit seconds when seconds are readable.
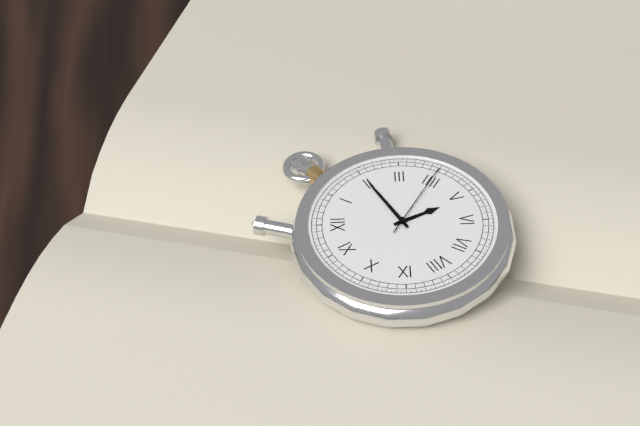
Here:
5,10,20
